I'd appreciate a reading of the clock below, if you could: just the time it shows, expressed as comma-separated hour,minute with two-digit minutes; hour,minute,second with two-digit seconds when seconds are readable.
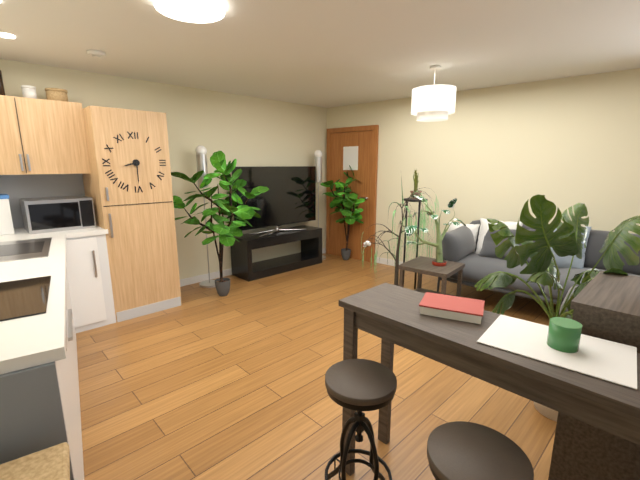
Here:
8,30
